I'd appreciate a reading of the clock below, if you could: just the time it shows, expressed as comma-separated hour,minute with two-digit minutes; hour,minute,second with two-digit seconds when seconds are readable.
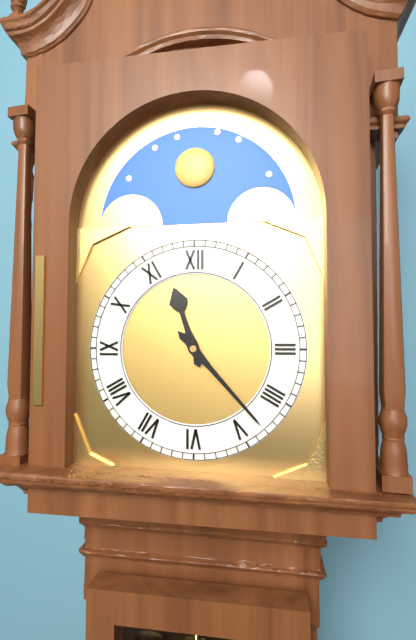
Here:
11,23
